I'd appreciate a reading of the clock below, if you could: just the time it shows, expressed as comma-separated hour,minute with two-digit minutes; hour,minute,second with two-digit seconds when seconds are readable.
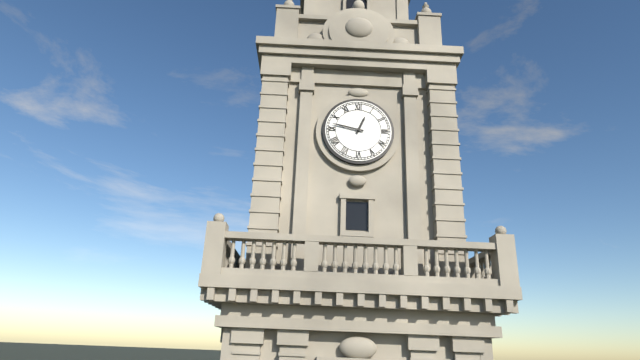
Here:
12,47
